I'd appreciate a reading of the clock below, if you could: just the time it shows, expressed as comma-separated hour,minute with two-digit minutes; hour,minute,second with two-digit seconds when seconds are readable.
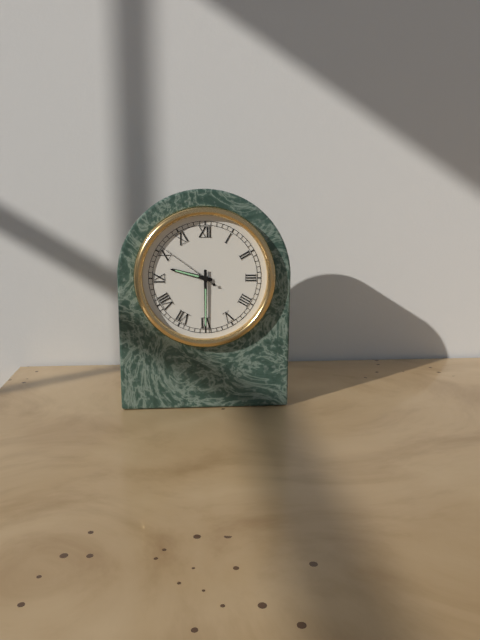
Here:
9,30,51
